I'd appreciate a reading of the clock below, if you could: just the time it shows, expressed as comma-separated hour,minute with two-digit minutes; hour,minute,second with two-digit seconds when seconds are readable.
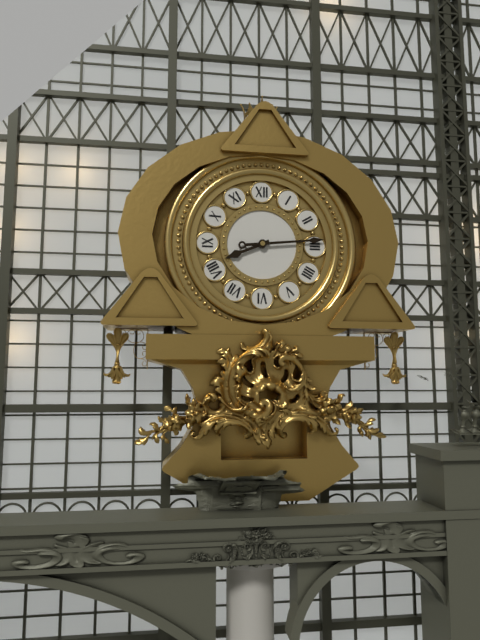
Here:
8,14
